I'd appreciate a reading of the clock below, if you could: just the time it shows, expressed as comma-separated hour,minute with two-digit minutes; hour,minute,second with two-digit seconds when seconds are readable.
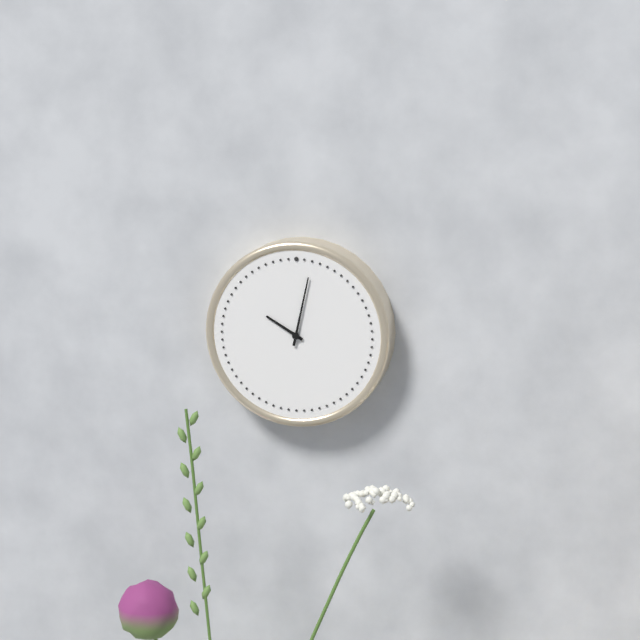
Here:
10,02
